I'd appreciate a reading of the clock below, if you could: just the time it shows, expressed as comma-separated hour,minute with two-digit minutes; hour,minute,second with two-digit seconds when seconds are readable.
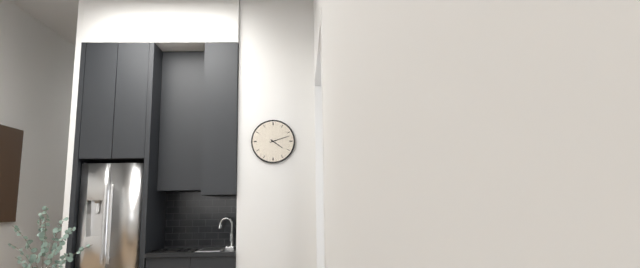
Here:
4,12
